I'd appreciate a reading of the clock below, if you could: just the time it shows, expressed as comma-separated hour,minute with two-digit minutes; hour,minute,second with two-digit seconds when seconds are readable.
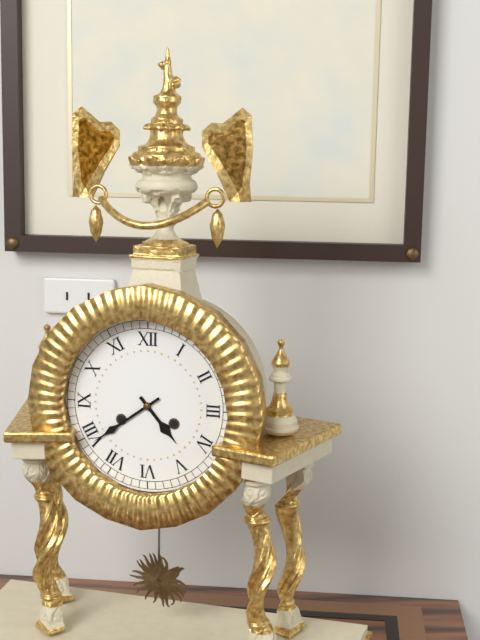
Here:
4,39
